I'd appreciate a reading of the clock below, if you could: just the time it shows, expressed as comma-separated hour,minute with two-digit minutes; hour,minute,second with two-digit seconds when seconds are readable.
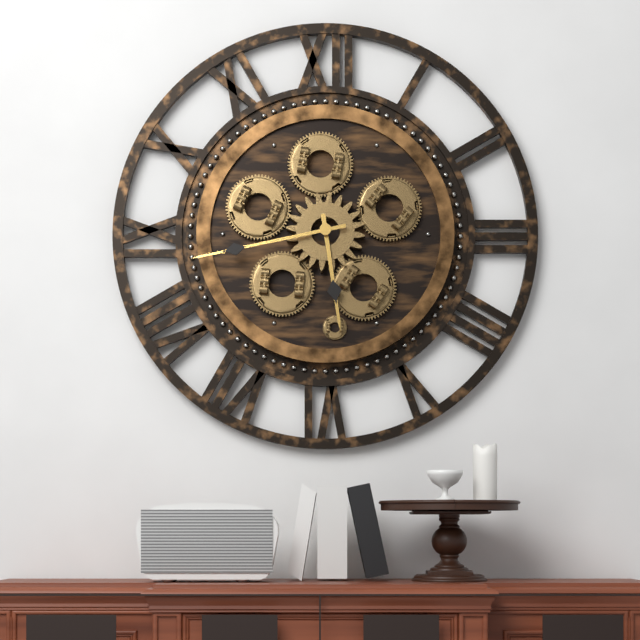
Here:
5,43
